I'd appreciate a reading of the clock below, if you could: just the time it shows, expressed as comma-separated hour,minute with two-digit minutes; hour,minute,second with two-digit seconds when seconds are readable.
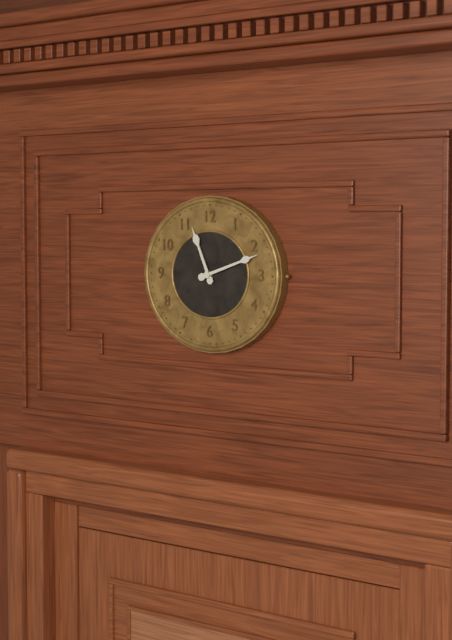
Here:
11,12
